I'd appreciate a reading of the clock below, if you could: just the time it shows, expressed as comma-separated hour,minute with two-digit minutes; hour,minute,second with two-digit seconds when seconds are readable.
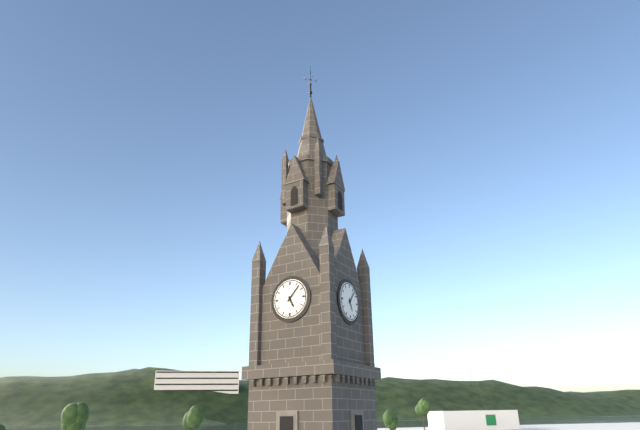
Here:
5,07
